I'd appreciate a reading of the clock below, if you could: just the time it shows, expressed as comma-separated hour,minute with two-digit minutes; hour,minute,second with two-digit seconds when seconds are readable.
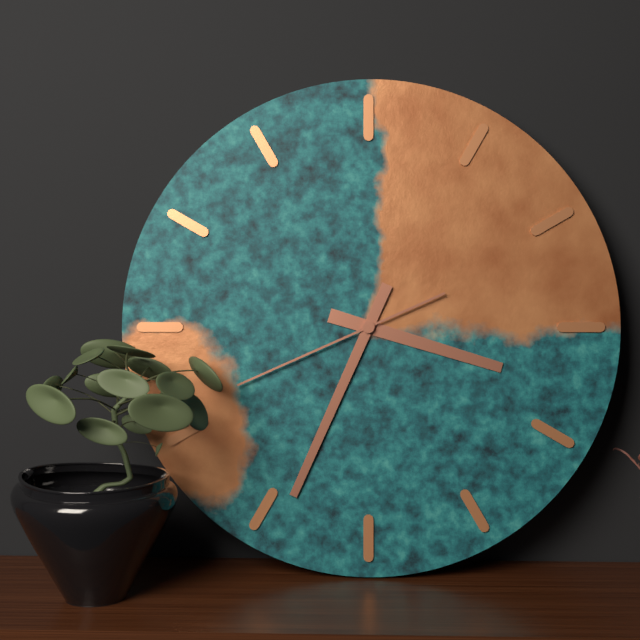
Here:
3,34,41
